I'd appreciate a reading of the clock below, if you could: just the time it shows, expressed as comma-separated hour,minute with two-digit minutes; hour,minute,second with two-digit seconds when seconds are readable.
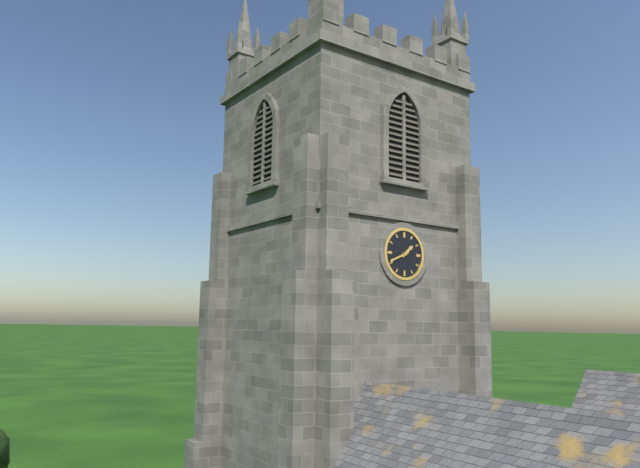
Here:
1,41
